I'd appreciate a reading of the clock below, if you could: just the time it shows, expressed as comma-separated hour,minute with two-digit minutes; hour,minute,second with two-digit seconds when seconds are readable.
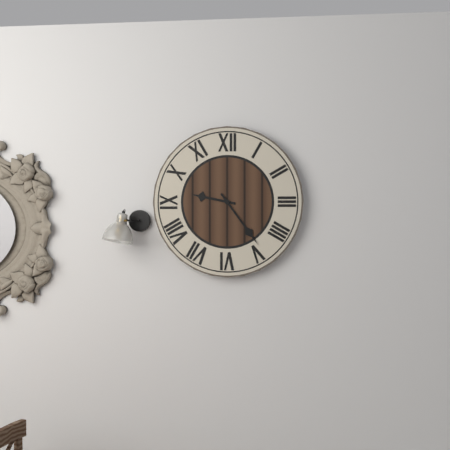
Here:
9,24
